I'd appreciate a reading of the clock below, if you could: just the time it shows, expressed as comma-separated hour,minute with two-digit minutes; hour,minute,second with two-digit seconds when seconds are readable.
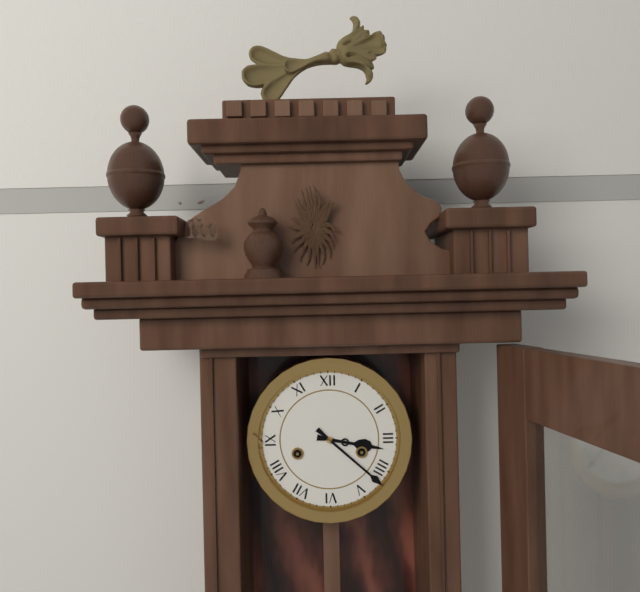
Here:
3,22
